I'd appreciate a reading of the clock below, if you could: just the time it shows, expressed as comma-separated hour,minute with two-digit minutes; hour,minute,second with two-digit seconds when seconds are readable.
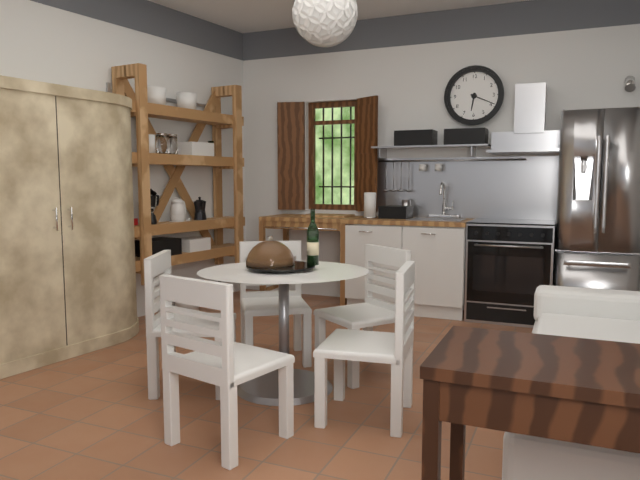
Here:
6,19
